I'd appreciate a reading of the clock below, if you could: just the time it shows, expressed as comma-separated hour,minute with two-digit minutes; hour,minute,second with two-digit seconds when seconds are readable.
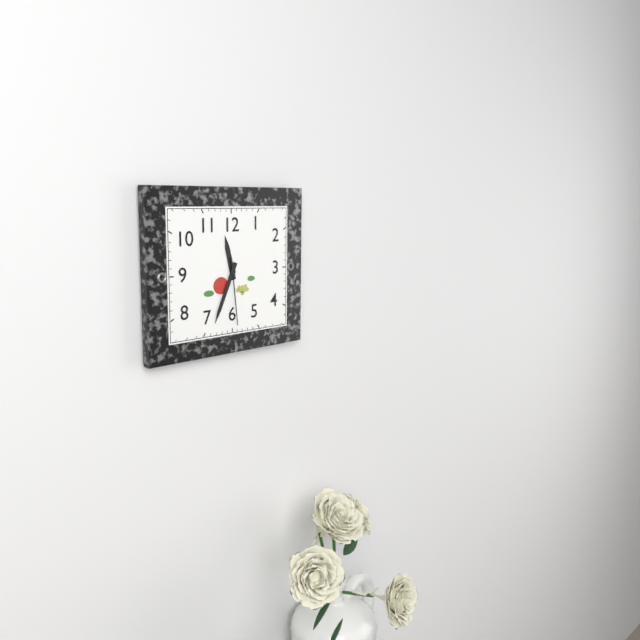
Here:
11,34,29
